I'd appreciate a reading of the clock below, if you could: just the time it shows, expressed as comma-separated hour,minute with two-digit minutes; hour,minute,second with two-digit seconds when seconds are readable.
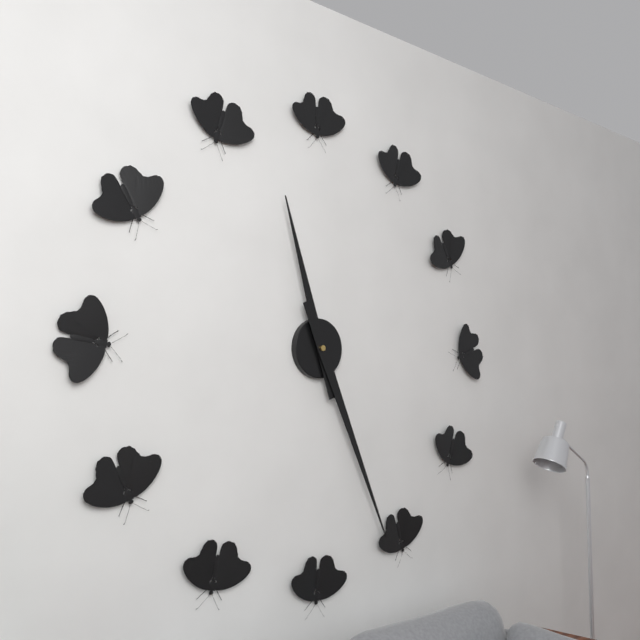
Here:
11,26
